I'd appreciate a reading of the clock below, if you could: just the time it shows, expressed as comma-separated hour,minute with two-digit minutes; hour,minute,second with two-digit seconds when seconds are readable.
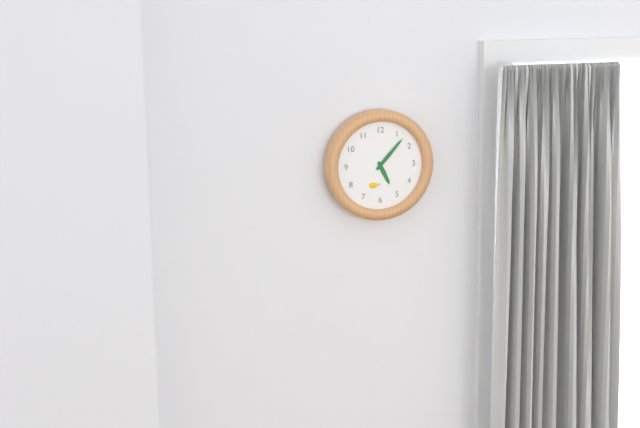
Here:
5,07
